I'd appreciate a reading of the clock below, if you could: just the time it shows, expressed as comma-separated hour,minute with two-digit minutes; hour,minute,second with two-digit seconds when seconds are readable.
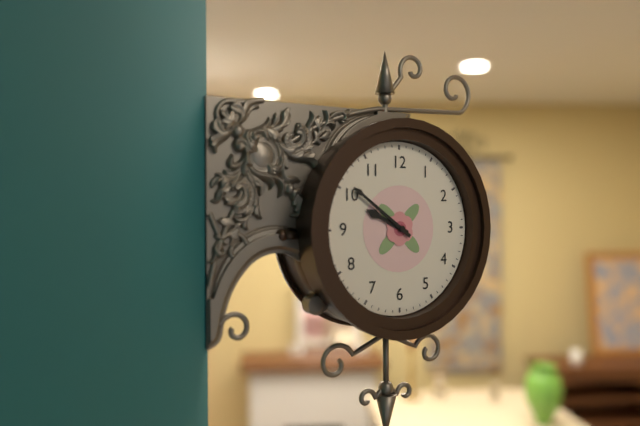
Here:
9,51
